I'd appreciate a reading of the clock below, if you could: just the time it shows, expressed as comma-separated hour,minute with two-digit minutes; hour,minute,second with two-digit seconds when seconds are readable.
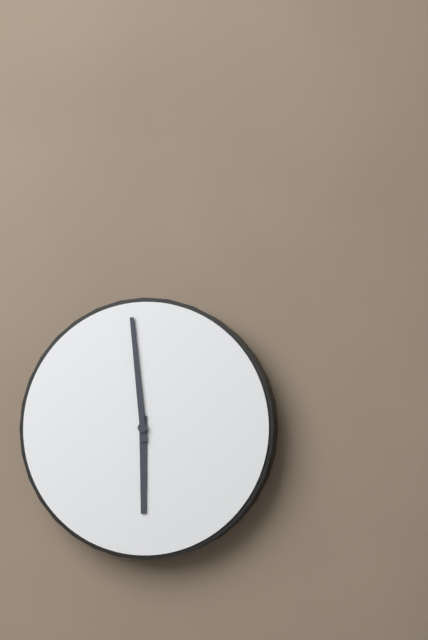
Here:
5,59
